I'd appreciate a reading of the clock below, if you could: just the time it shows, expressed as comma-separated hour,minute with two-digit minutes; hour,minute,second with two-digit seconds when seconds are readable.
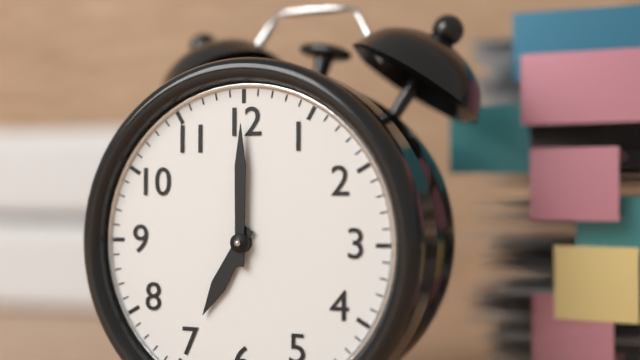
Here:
7,00
